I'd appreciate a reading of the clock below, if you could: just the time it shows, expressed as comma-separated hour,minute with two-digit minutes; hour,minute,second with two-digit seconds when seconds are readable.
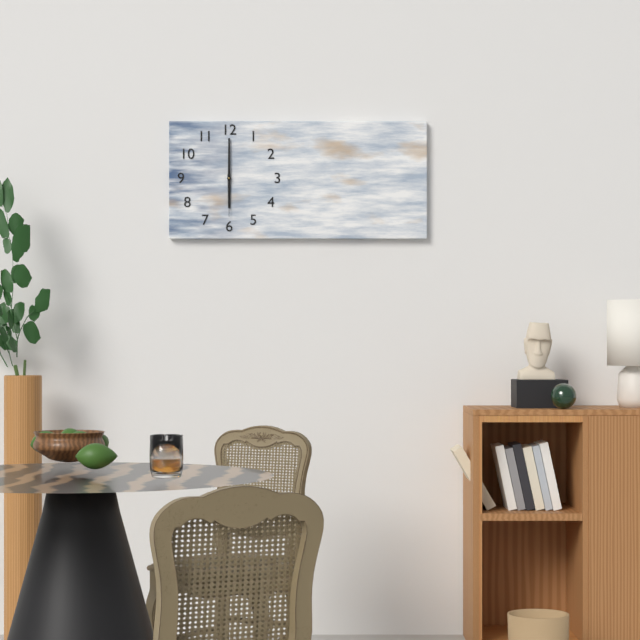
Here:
6,00
